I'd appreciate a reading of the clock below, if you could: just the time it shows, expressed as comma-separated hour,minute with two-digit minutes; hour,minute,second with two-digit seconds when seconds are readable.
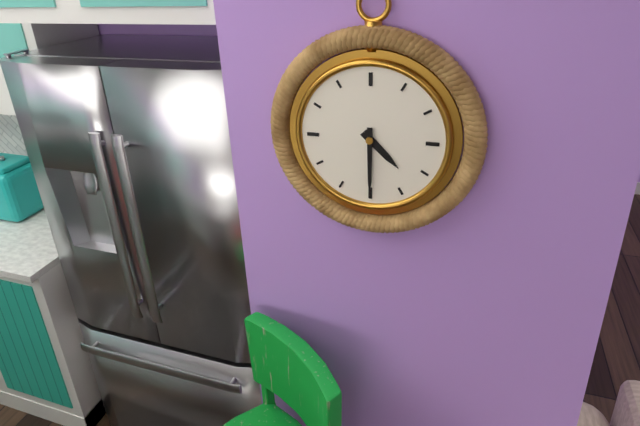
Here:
4,30
